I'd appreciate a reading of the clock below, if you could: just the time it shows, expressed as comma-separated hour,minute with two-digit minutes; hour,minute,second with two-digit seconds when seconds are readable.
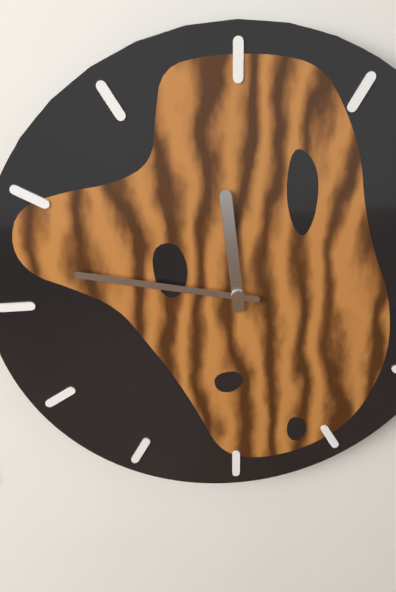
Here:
11,47
